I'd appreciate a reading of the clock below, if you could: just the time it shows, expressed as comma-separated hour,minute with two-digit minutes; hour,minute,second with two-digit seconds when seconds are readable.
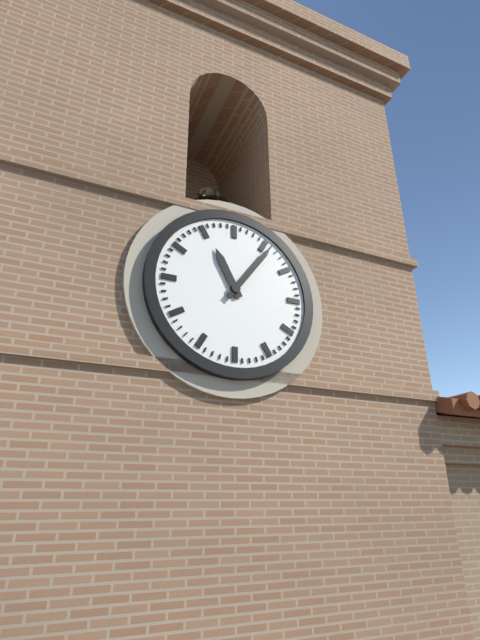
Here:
11,06
